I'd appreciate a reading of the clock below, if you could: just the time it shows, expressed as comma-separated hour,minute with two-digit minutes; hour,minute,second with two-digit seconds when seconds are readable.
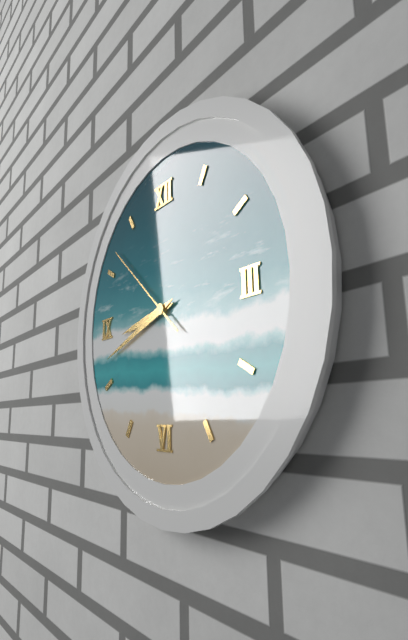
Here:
8,42,52
